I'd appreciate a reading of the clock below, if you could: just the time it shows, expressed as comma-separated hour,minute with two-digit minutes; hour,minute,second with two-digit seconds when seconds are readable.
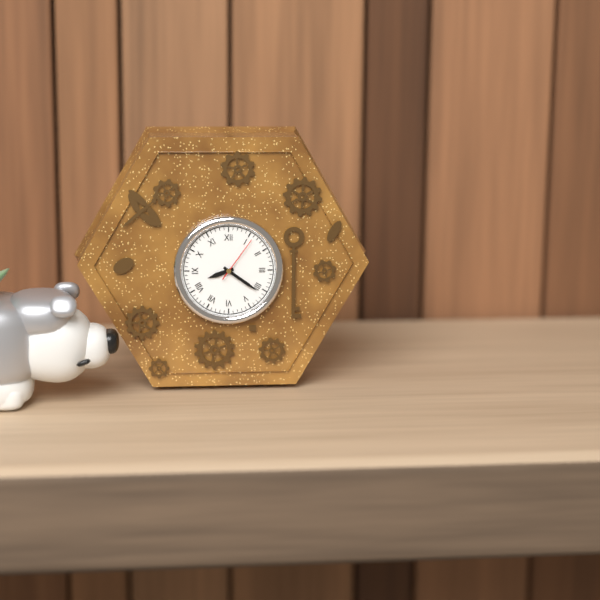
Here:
8,21
